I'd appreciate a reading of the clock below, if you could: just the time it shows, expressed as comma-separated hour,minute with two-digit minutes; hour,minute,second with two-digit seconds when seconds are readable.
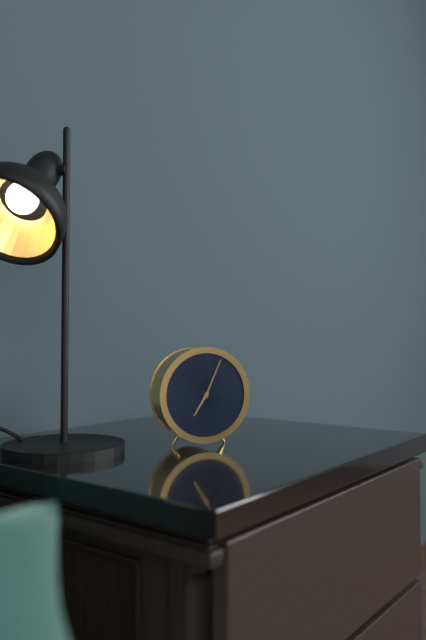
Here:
7,04
